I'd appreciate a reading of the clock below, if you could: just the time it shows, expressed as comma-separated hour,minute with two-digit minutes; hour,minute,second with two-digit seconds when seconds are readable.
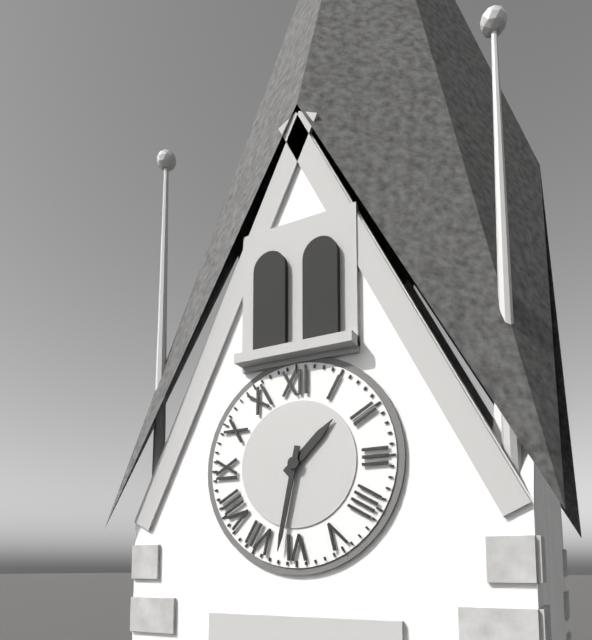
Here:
1,32
